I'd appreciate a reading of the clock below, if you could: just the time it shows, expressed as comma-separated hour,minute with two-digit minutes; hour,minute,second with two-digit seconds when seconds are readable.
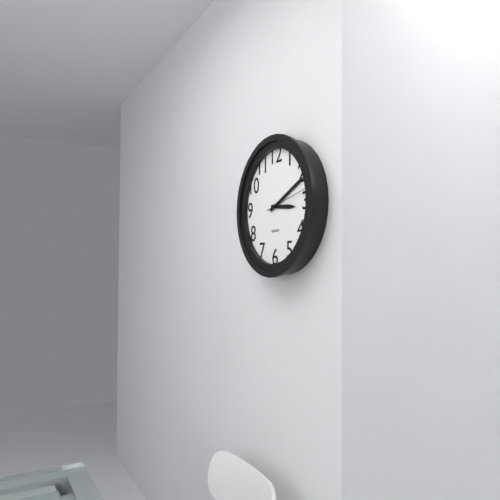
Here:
3,11
